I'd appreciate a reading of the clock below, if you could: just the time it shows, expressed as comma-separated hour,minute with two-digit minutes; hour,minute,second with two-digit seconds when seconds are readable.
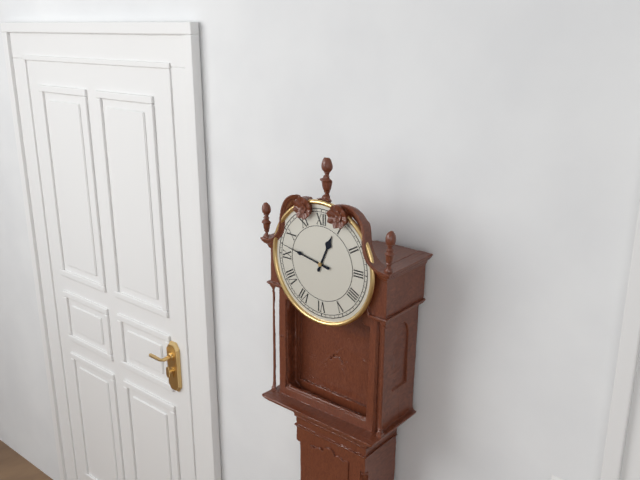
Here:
12,47
